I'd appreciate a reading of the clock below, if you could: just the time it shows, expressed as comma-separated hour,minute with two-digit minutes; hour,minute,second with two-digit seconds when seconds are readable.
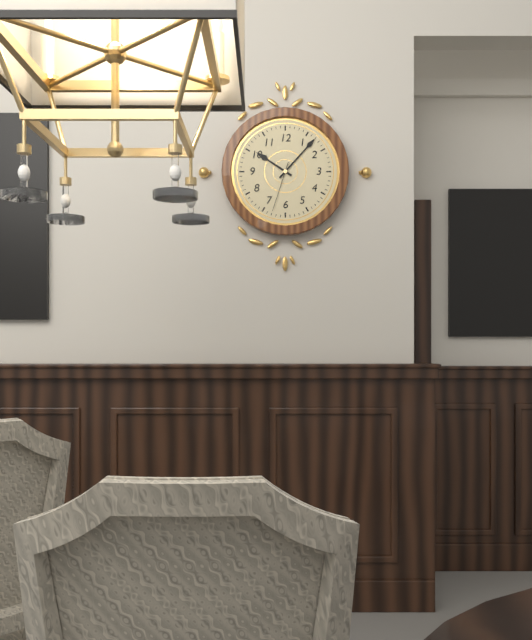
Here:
10,07,33
